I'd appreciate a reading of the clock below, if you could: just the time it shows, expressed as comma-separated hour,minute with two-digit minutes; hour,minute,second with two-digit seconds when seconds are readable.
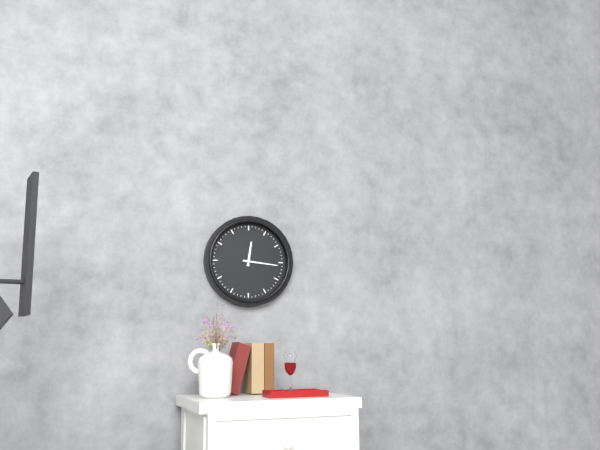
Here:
12,16
